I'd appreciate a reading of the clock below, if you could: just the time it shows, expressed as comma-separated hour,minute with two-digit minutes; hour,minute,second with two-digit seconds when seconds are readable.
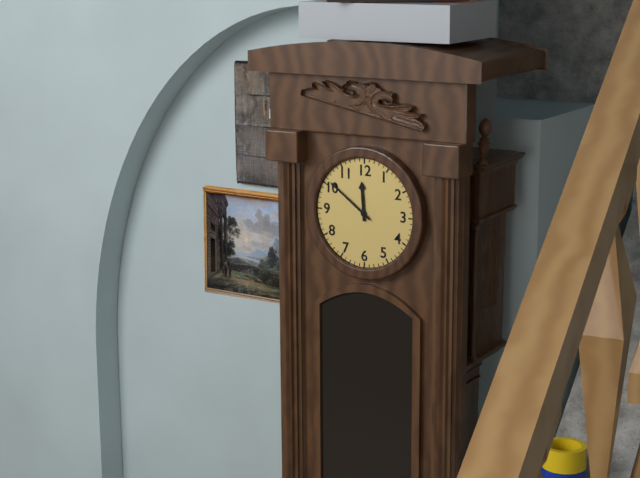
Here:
11,51
